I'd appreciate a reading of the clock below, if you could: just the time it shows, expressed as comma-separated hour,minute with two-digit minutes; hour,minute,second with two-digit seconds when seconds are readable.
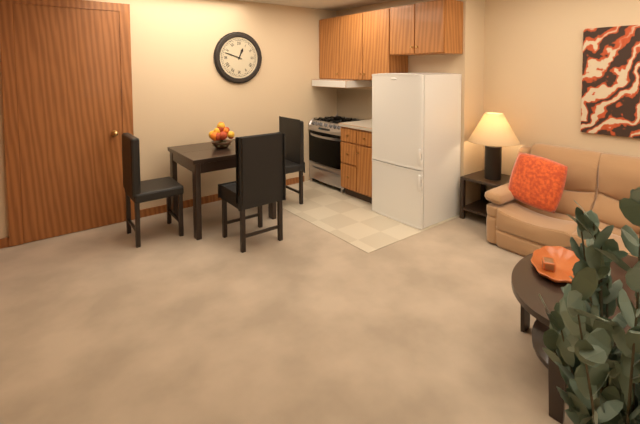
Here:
12,48
